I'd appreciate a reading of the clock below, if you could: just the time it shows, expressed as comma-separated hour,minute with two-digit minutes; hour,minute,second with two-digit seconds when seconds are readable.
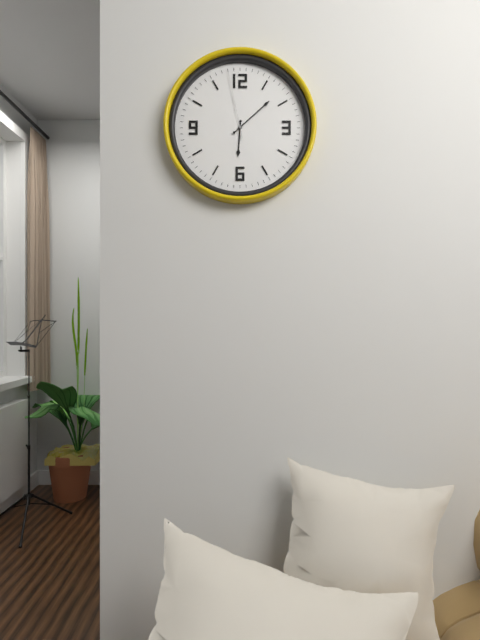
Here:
6,08,58
